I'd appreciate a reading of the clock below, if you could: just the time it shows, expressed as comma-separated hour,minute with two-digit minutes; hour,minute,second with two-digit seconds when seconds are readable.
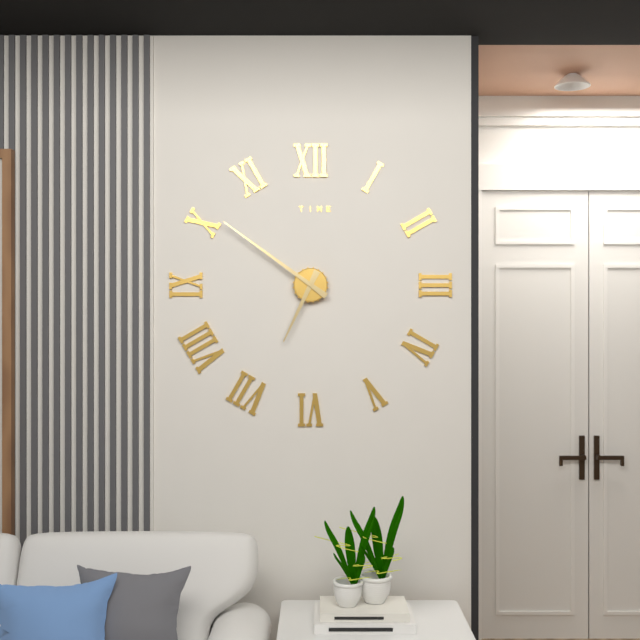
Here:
6,51
